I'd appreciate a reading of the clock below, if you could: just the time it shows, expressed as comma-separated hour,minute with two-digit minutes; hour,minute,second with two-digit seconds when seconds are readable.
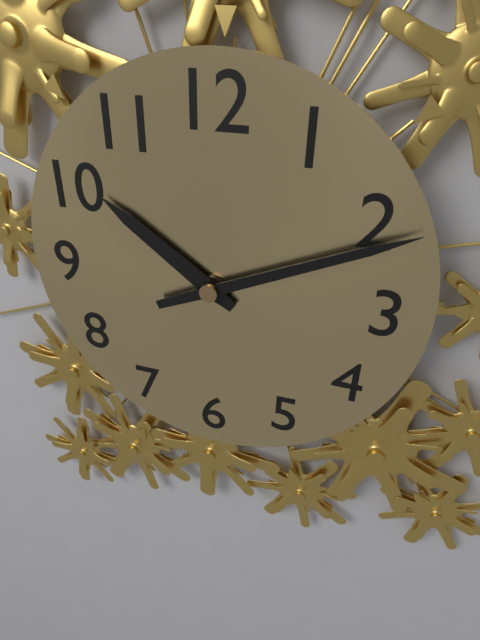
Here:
10,11
